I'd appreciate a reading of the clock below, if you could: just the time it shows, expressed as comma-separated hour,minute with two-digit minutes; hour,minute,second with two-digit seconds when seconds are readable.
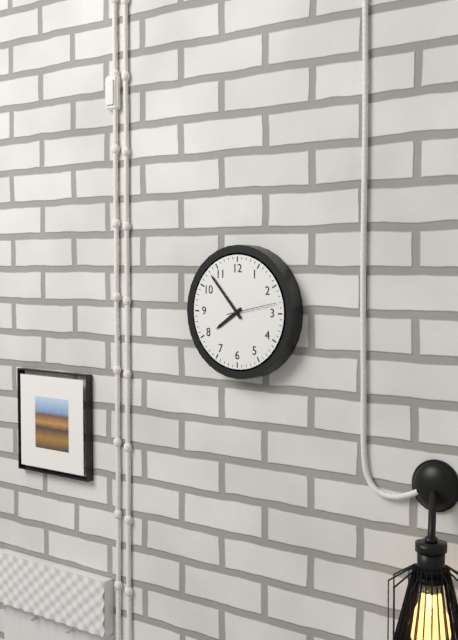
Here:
7,53,13
